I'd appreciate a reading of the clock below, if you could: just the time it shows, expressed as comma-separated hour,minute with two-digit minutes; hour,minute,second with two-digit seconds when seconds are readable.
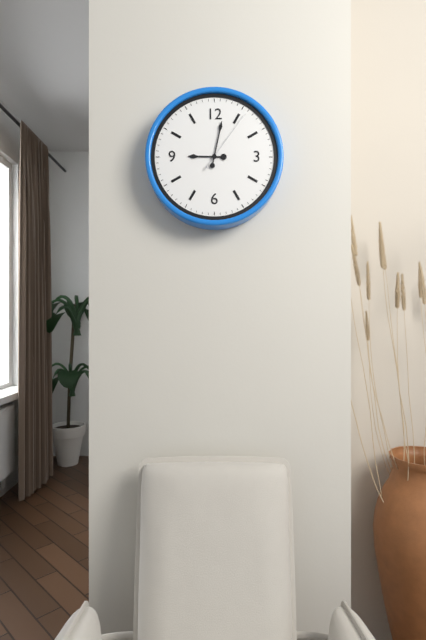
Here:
9,02,06
